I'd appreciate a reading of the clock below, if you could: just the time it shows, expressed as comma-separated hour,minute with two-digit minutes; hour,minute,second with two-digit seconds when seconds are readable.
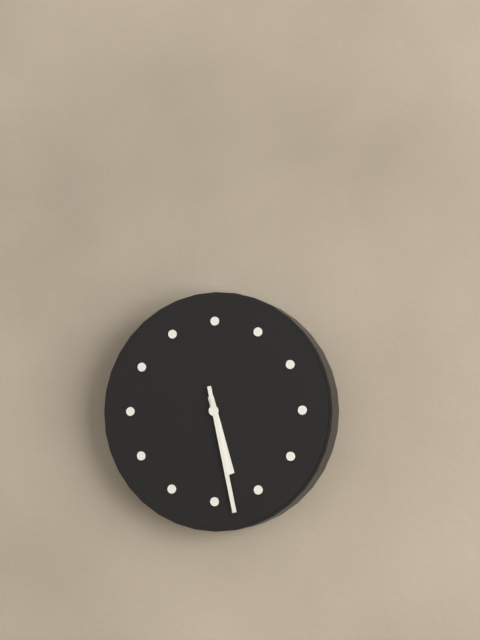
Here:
5,28
